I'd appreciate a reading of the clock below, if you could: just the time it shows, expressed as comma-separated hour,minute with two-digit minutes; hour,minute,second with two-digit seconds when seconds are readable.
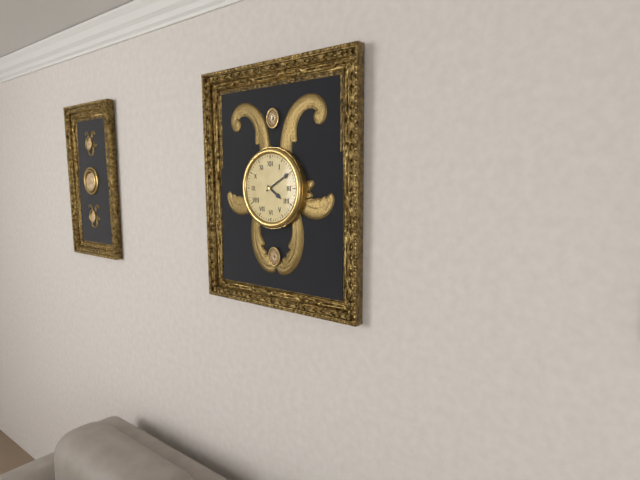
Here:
4,10
